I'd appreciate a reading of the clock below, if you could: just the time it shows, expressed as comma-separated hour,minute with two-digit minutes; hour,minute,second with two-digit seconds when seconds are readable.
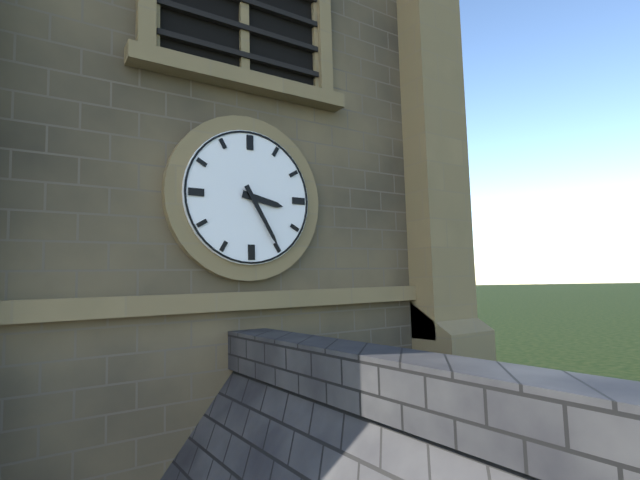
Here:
3,25
